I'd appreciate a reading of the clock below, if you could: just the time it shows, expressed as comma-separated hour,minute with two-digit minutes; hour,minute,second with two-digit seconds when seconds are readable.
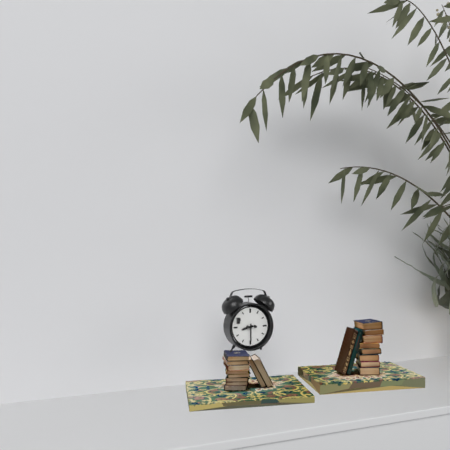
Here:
8,30
